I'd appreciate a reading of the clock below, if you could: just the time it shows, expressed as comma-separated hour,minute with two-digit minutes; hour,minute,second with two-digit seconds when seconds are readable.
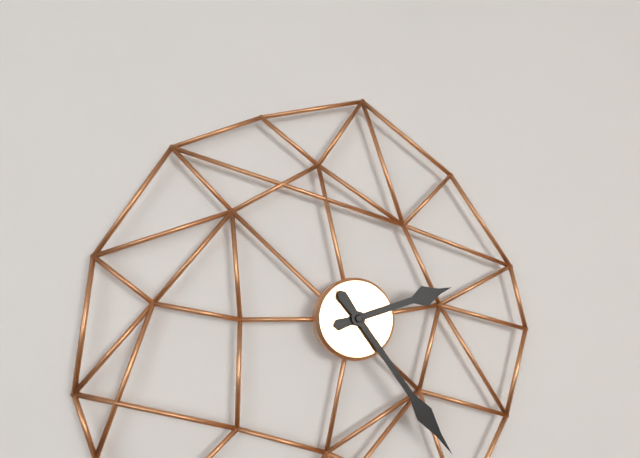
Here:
2,24
